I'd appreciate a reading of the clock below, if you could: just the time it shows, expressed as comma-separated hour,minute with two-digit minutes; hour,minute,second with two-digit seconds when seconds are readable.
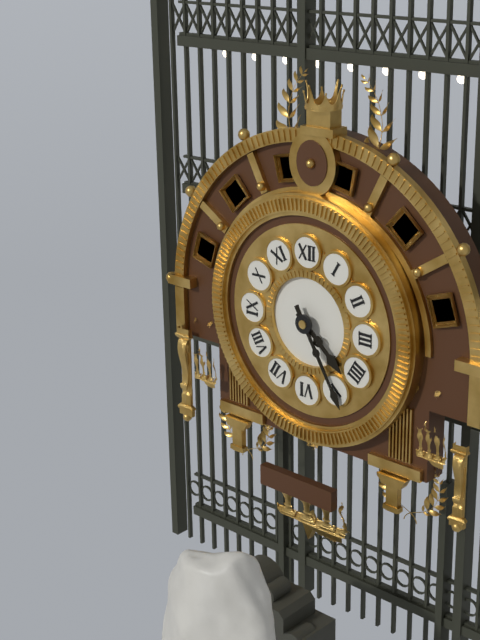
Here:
4,25
